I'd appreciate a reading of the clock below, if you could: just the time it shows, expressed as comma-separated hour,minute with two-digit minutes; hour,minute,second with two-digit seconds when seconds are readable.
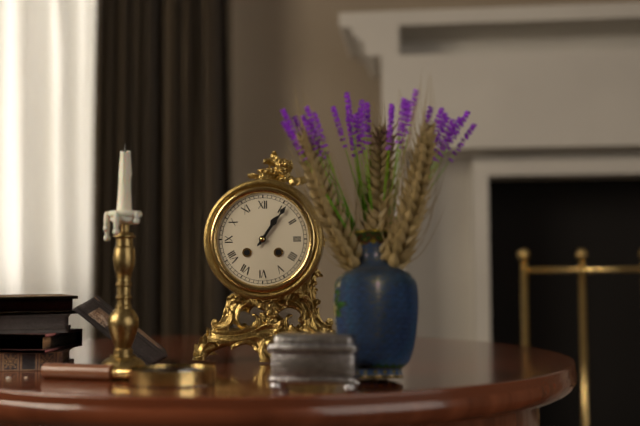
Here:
1,06
